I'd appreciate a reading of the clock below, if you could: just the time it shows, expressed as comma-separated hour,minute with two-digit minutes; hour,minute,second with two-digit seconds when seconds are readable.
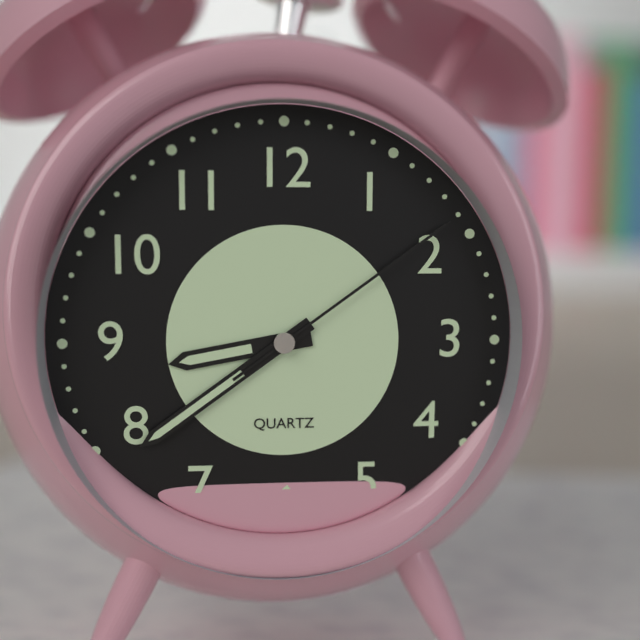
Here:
8,39,09
